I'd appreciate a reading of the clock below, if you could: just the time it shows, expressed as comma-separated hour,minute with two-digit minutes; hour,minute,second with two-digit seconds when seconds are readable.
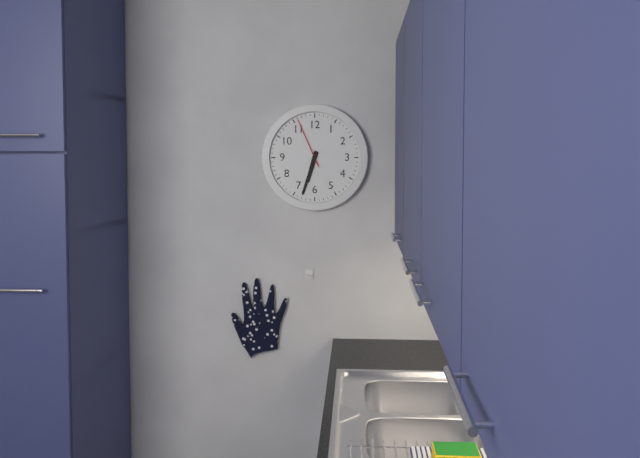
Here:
6,33,56
